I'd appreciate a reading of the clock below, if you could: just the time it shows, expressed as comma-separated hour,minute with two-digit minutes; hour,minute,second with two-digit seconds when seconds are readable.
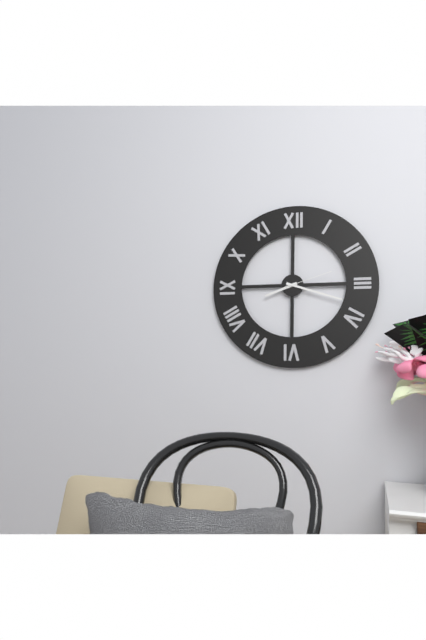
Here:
8,18,12
